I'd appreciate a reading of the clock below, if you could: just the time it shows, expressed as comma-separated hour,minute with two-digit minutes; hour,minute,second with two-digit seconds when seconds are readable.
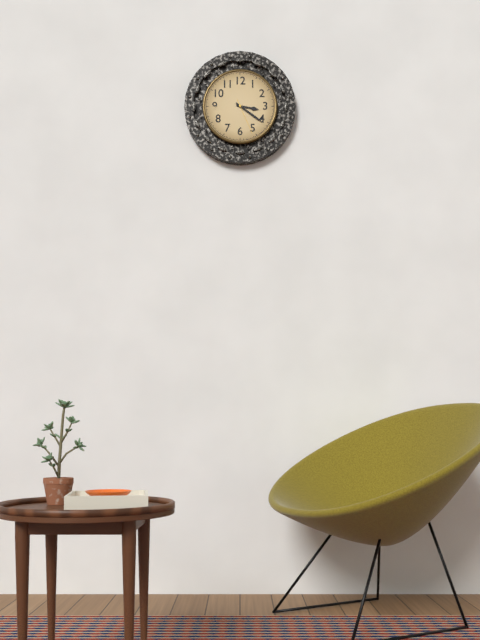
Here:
3,21
